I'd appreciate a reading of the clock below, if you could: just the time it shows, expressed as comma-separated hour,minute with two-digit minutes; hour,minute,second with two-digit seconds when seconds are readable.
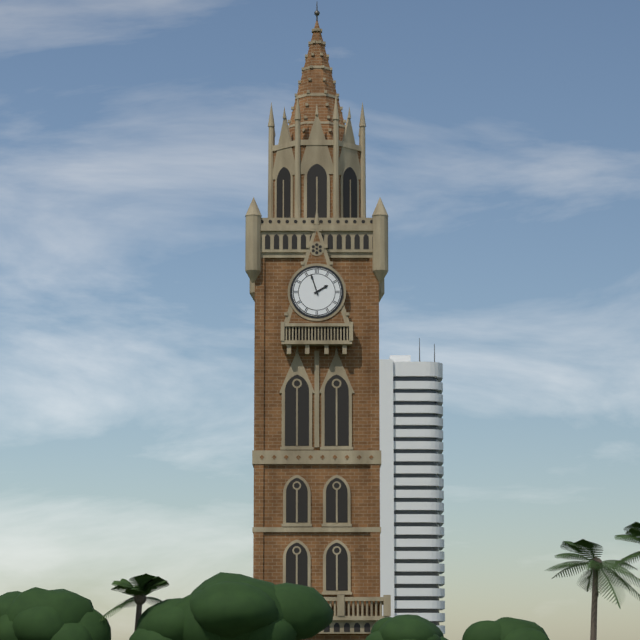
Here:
1,57
